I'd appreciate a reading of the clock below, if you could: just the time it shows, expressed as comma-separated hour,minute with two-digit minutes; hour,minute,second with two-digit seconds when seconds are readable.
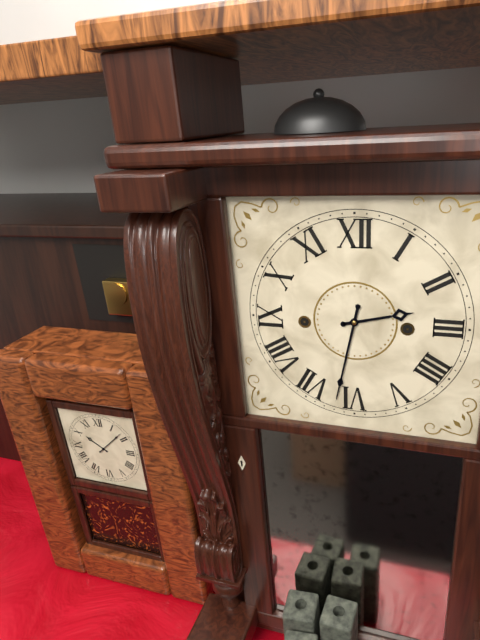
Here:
2,32
